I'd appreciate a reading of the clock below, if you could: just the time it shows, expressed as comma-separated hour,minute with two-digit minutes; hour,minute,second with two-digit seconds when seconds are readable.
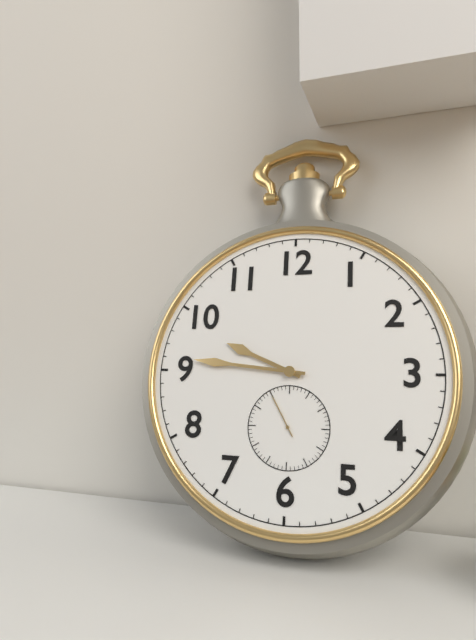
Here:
9,46
